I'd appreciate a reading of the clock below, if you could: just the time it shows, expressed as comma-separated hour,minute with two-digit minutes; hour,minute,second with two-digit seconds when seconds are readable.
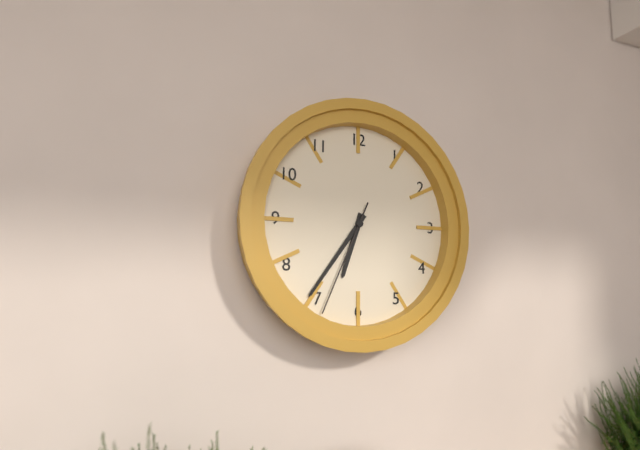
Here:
6,36,34
